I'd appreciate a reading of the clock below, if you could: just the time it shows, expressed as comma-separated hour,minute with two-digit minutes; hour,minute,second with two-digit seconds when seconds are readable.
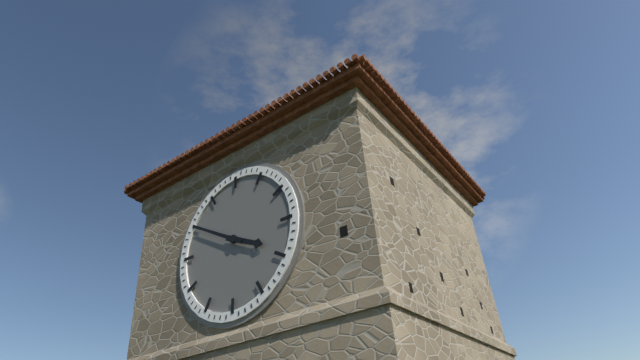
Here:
3,50
